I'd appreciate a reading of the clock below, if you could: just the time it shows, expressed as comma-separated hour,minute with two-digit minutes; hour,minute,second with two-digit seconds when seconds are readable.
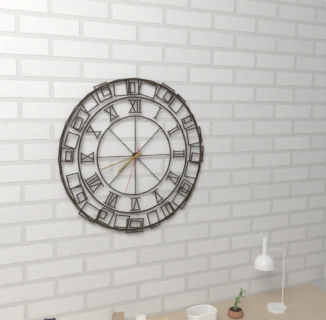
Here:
7,42
